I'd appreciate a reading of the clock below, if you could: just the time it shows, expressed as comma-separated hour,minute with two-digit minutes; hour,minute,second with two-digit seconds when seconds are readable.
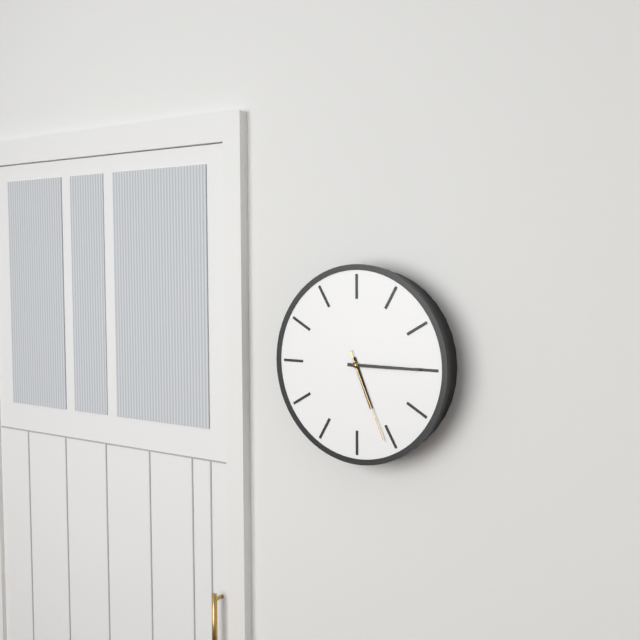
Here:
5,15,26
